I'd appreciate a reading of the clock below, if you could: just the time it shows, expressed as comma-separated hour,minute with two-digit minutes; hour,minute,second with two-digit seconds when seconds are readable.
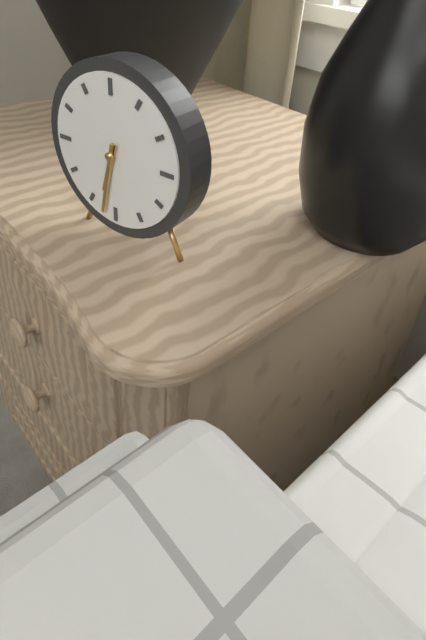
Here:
6,32
